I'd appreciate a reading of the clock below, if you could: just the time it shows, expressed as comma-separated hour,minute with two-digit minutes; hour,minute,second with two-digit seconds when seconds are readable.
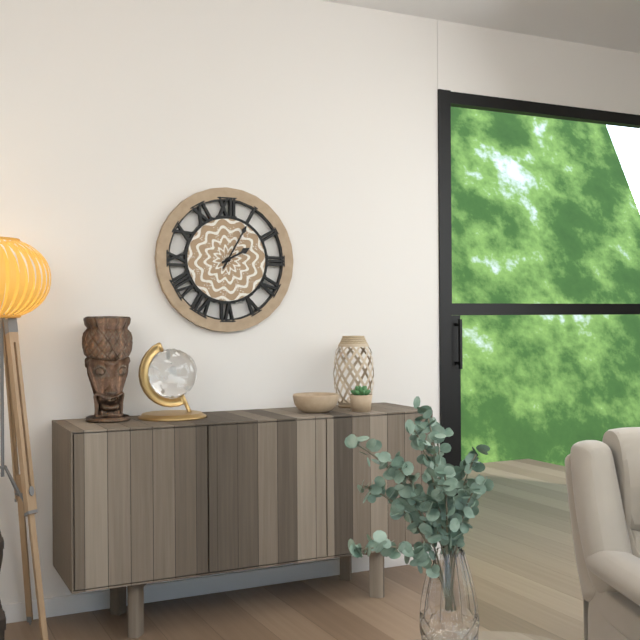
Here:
2,05
